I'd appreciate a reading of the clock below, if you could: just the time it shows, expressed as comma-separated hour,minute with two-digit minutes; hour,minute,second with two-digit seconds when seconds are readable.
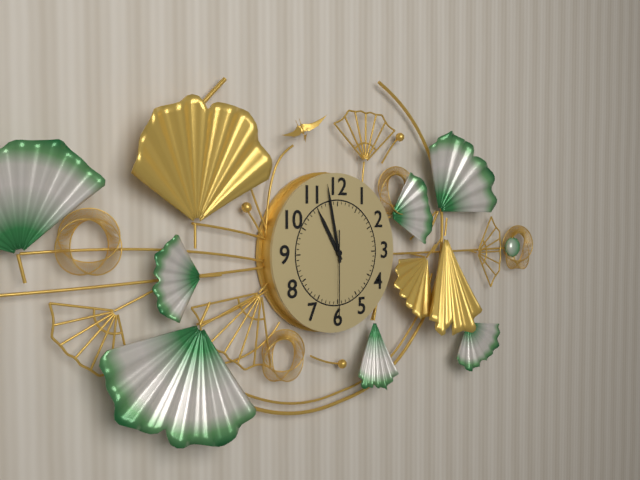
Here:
10,58,30
